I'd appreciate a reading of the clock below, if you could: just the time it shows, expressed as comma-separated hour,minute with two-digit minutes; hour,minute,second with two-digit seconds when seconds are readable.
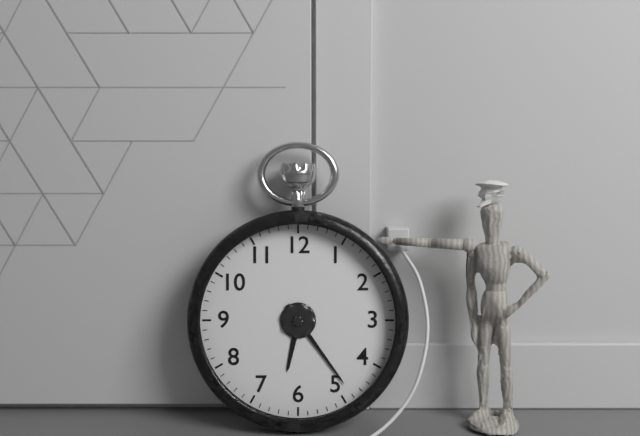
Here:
6,24
